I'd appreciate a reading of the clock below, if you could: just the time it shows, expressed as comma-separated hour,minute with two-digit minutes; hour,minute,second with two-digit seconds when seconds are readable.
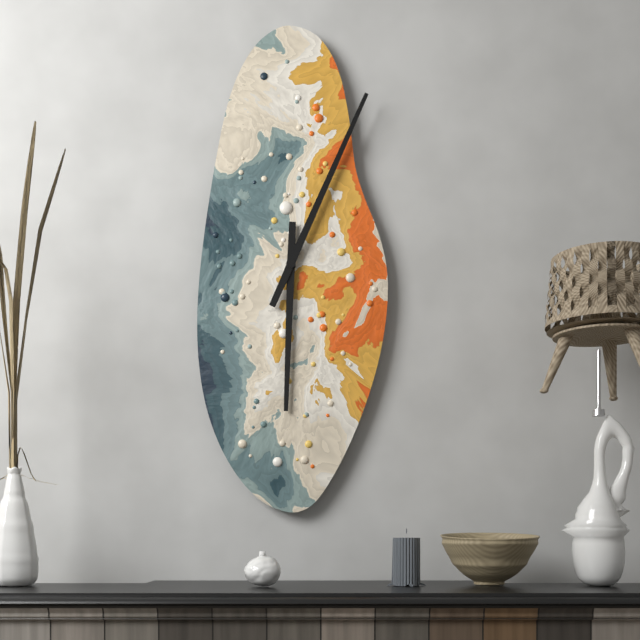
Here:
6,04
